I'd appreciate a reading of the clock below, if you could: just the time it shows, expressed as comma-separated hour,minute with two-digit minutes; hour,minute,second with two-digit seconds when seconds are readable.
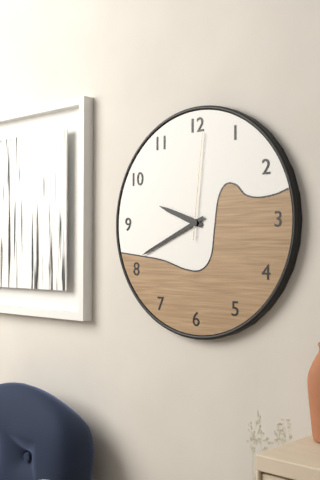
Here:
9,41,01
